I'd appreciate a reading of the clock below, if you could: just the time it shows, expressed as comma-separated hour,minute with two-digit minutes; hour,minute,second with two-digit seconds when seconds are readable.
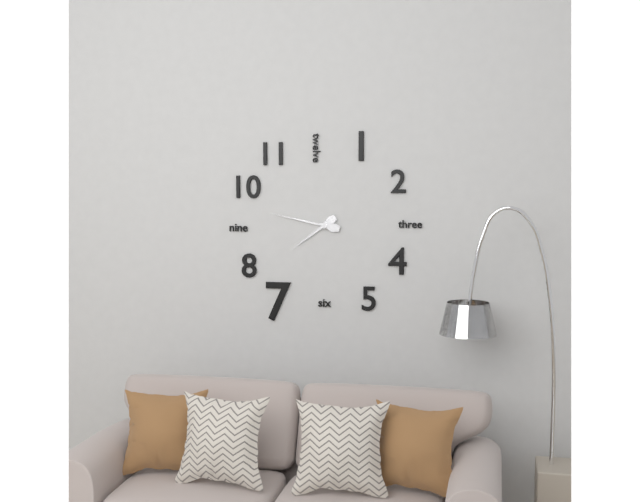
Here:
7,47
